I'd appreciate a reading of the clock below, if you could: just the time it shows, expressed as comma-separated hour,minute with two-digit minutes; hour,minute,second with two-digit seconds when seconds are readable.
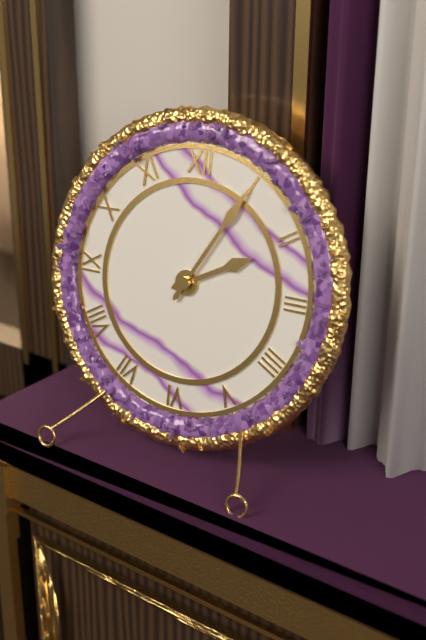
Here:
2,05
